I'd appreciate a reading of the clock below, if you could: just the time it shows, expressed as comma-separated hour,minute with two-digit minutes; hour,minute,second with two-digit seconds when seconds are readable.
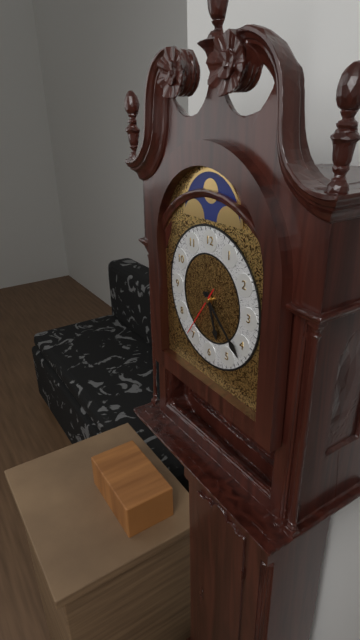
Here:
5,22
